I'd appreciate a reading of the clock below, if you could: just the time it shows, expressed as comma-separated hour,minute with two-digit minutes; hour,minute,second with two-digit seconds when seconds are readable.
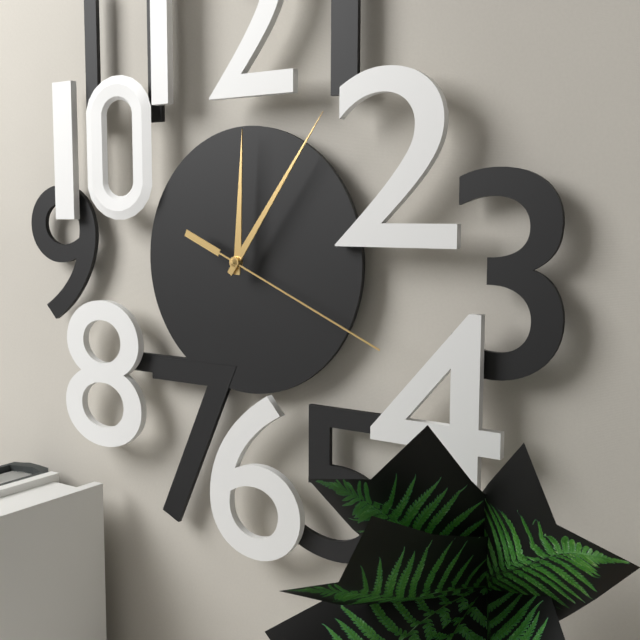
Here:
12,06,19
